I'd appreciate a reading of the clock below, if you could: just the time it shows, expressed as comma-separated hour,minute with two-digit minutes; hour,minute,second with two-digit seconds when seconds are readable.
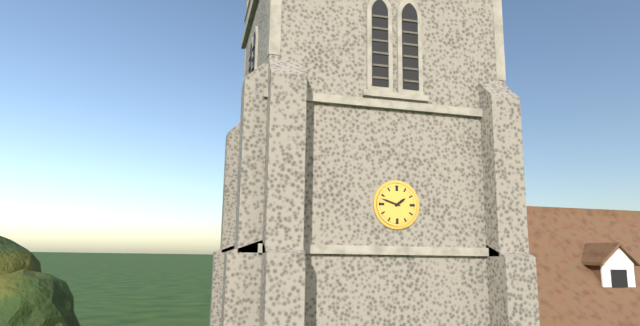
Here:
1,48
